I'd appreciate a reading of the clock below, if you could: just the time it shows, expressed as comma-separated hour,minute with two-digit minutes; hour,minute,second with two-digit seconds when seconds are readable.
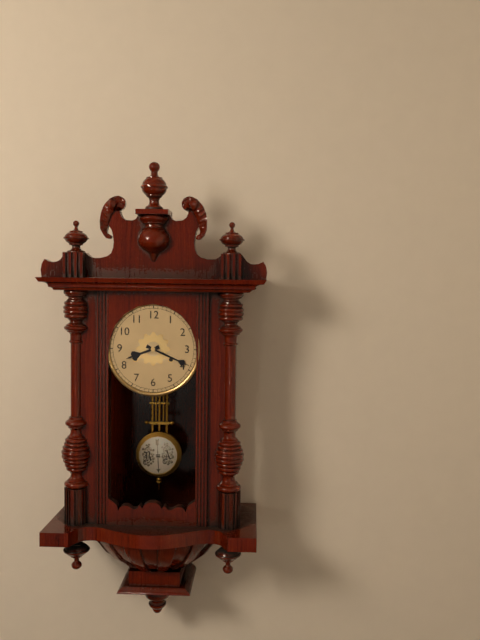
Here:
8,19
